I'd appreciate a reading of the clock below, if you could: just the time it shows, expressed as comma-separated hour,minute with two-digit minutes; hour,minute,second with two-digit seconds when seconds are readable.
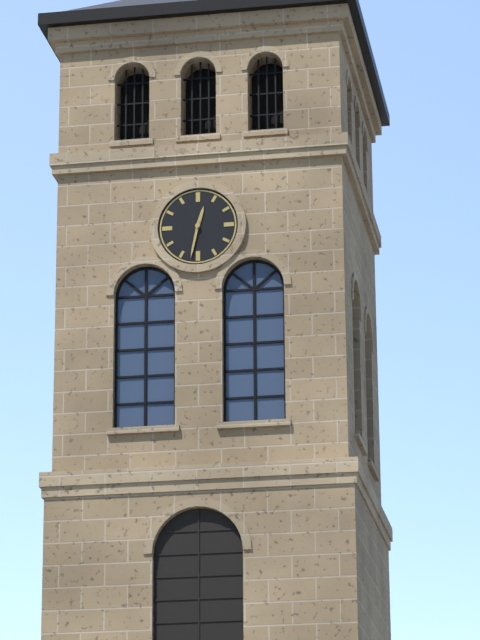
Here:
12,32
